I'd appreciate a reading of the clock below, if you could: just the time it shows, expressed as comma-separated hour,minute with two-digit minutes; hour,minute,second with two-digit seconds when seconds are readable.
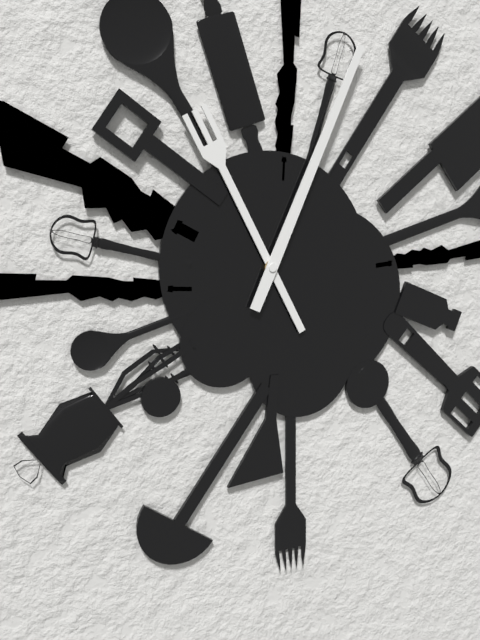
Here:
11,04
